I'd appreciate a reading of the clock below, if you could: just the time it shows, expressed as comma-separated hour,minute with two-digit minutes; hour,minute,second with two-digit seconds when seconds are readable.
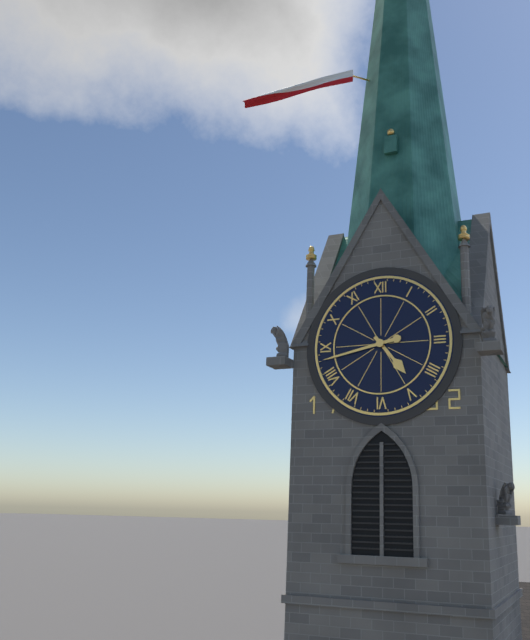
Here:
4,43
